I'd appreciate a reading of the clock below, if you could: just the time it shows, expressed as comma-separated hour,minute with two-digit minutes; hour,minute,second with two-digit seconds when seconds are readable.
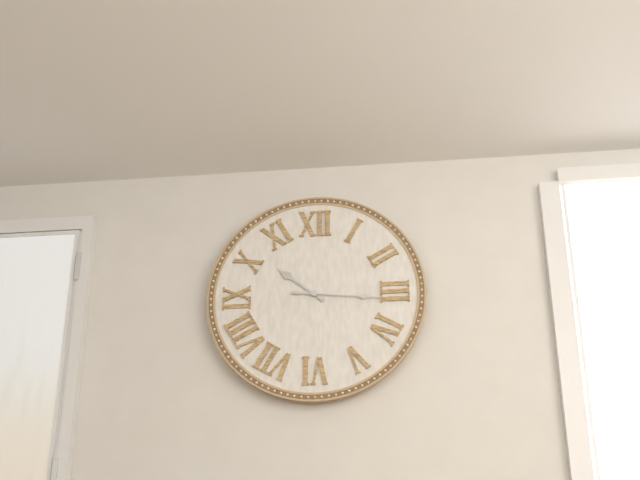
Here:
10,16
